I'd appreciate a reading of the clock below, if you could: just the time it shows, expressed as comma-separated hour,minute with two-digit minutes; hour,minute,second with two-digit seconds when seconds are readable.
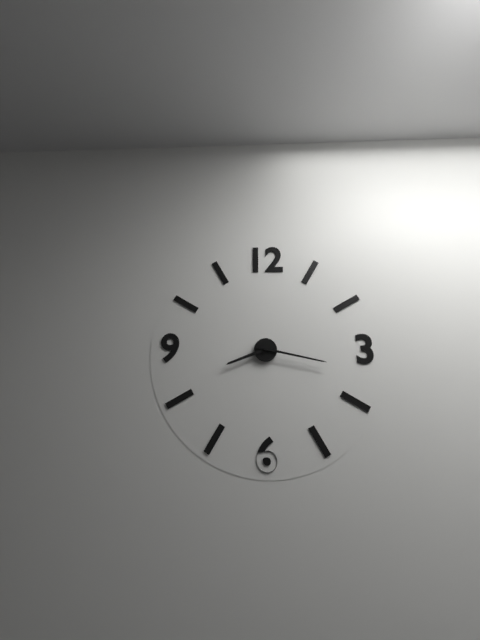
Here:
8,17
